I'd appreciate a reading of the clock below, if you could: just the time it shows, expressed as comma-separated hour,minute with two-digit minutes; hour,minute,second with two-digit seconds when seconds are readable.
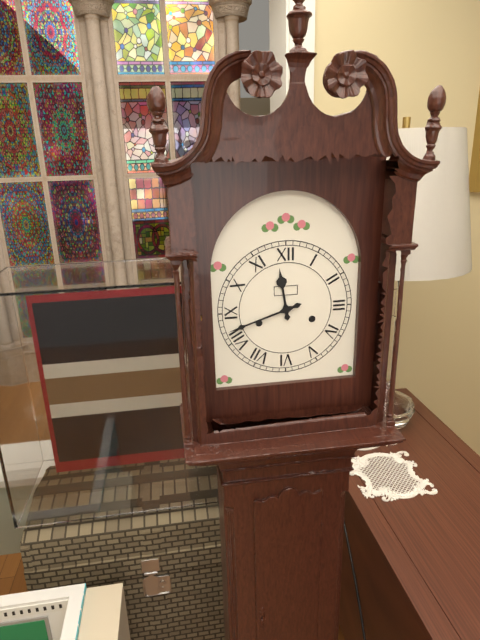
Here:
11,42
